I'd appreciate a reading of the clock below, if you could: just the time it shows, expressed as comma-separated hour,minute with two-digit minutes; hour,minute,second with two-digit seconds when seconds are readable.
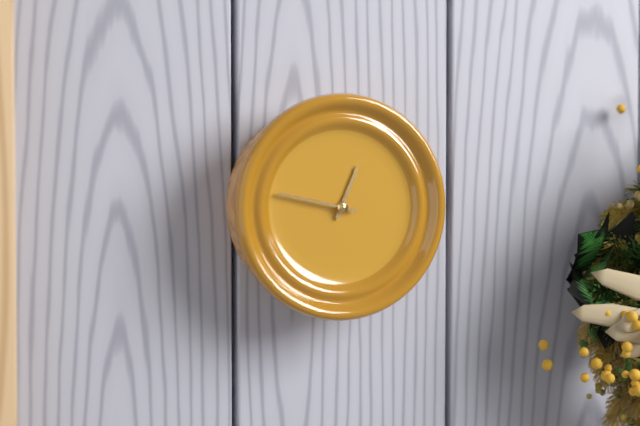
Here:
12,47
